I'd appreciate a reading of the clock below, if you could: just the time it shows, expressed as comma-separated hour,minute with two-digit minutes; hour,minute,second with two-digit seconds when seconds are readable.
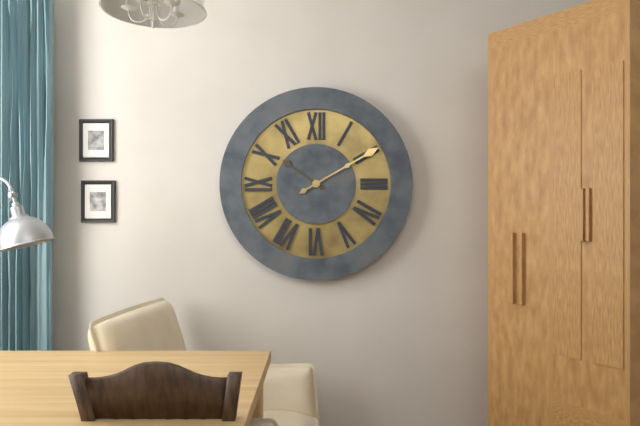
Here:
10,10
